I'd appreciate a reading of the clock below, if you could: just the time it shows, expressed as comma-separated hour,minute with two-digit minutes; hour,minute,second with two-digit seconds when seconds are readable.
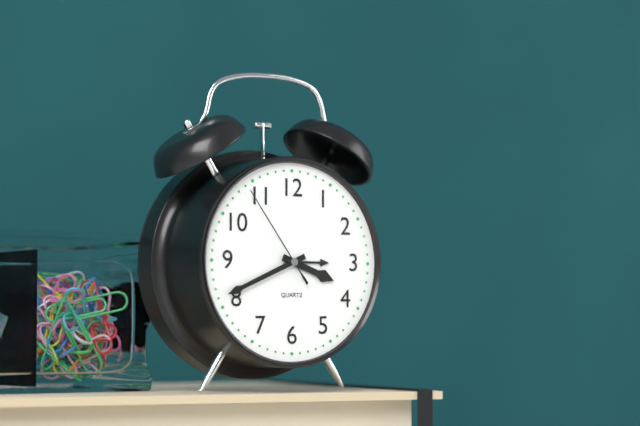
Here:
3,41,54
